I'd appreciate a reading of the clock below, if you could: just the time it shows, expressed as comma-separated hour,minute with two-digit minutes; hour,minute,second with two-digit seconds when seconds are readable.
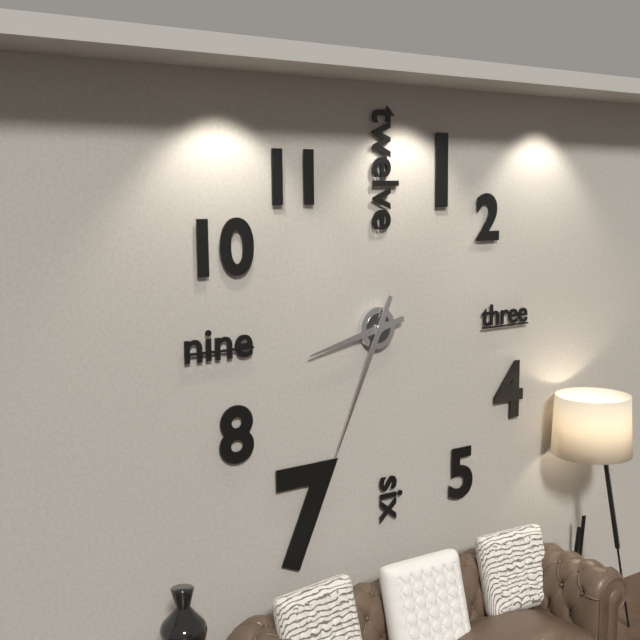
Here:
8,34
